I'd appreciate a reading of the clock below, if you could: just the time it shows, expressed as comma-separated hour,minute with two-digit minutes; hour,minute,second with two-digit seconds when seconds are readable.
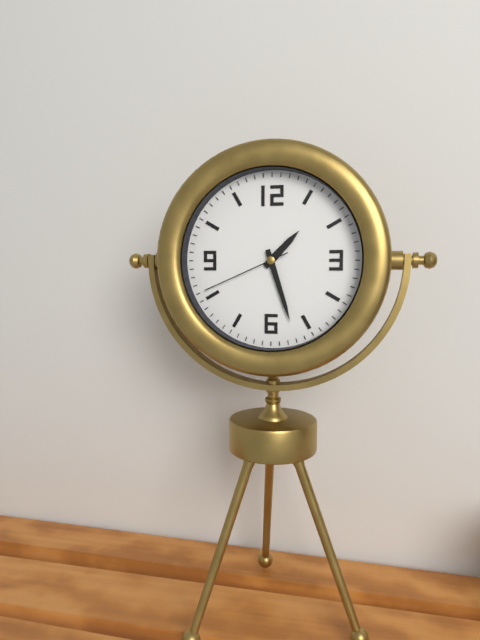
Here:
1,27,41
